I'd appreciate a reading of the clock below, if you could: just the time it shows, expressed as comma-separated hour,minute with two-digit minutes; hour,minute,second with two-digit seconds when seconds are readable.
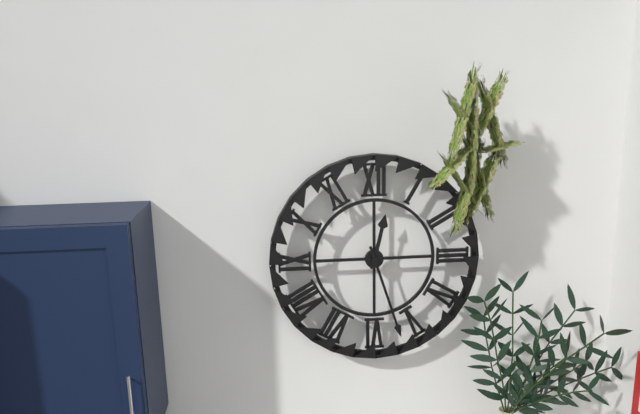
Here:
12,27
